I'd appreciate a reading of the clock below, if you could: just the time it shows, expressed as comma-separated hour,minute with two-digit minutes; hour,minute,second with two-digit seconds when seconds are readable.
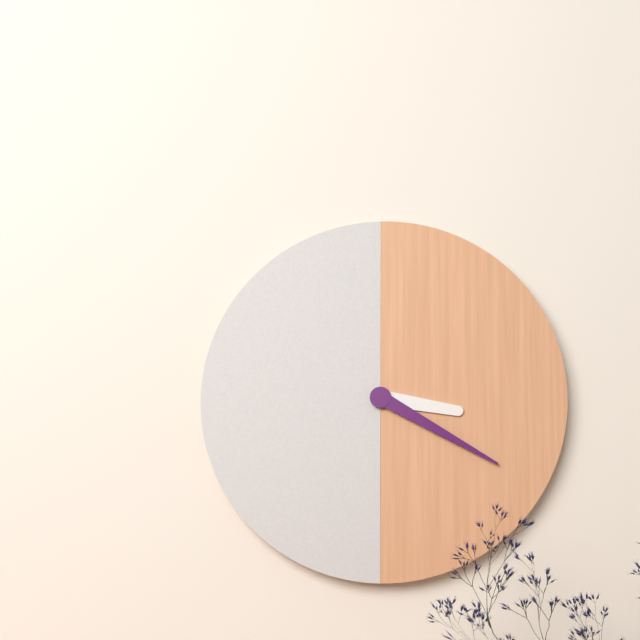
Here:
3,20
